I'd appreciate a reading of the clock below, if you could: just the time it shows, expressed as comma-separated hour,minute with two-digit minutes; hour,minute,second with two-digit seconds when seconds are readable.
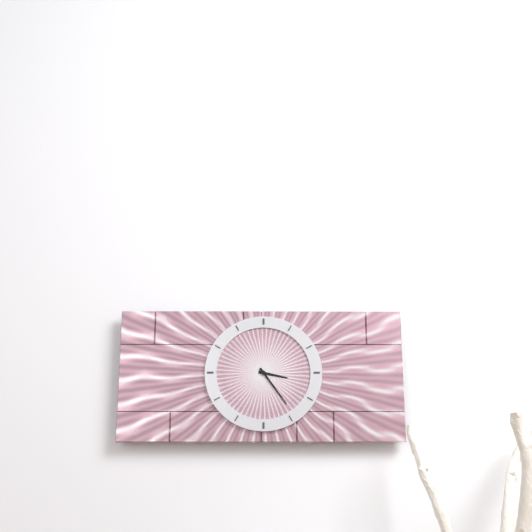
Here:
3,24
